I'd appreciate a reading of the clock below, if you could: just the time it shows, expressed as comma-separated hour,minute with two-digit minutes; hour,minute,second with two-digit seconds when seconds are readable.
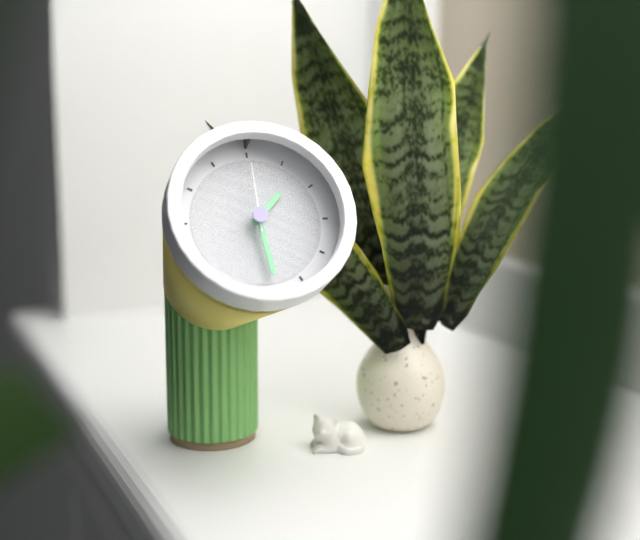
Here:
1,29,00
